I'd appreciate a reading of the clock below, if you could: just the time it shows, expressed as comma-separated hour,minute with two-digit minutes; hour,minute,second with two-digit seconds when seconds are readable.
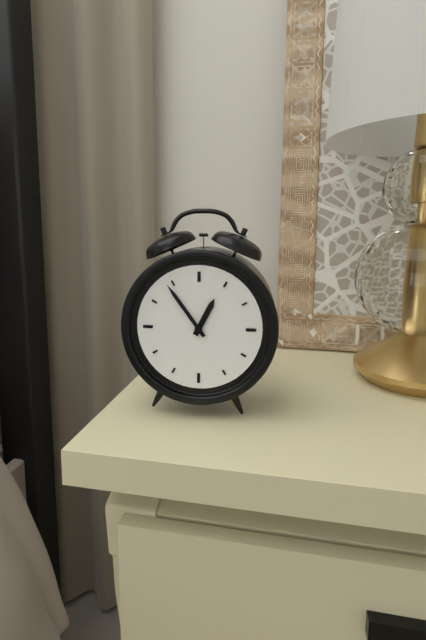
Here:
12,54
